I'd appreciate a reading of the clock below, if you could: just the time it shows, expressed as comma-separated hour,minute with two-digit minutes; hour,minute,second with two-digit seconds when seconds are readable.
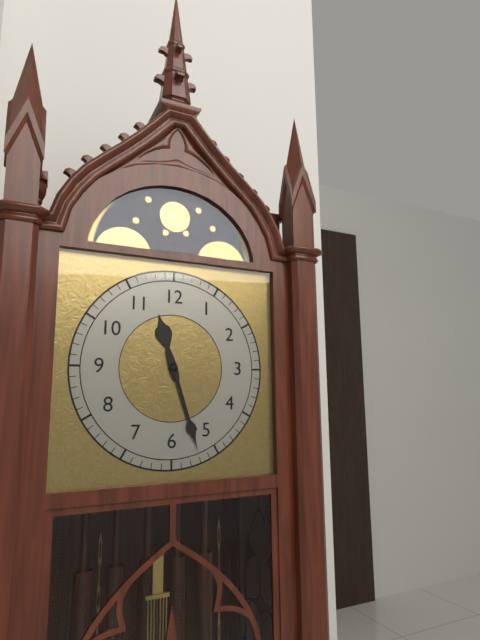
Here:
11,27
